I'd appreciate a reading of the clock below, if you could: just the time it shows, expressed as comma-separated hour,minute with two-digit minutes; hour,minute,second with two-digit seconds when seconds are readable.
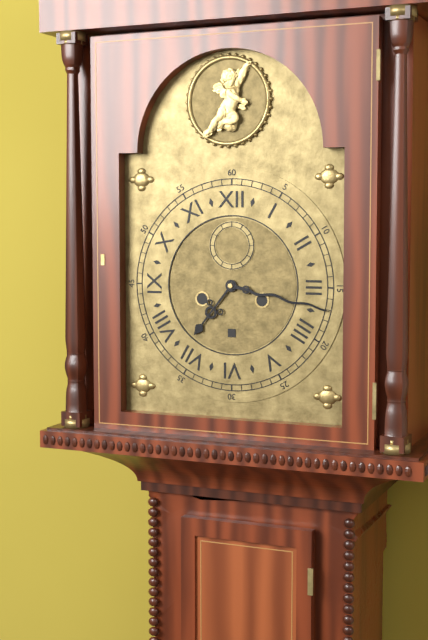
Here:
7,17
